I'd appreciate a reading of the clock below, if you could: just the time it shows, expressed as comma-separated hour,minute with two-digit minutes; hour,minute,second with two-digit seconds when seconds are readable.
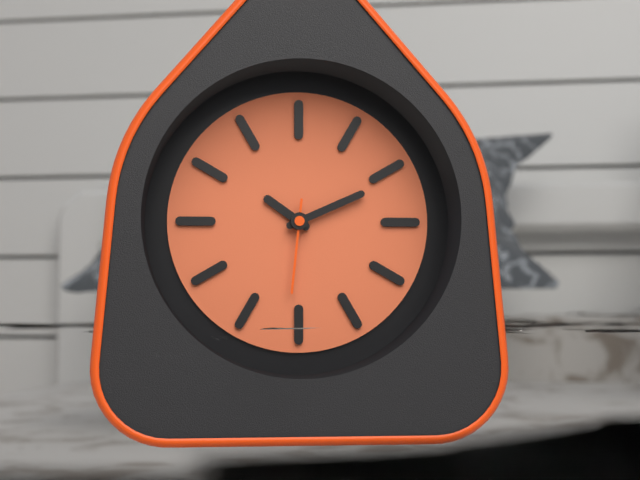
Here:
10,11,31
